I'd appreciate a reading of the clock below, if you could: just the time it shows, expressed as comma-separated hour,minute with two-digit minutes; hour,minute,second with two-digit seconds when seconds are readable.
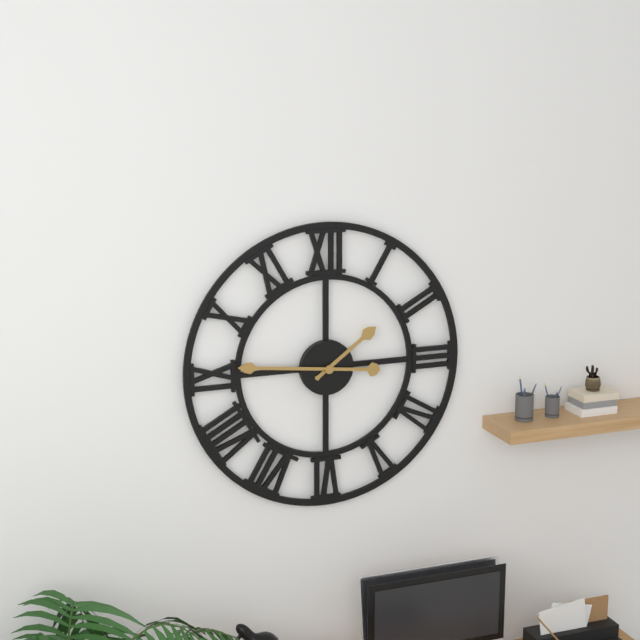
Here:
1,46
